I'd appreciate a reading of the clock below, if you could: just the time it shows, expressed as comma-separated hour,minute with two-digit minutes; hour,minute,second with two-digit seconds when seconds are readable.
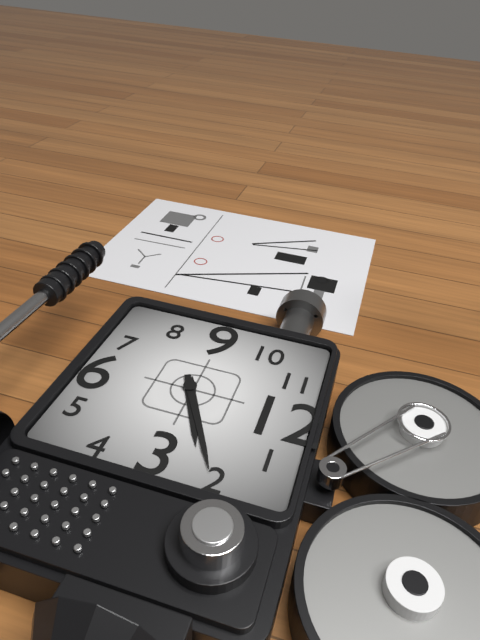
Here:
2,10
